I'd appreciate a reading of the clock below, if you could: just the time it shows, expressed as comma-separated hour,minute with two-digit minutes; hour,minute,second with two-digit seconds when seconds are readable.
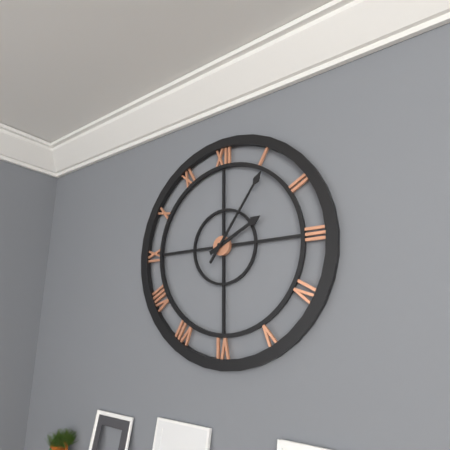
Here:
2,06
